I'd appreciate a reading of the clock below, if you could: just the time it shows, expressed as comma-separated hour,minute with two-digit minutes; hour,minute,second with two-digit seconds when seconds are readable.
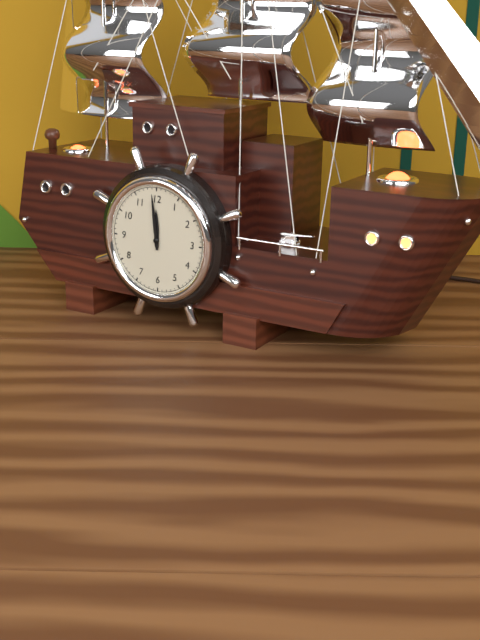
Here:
11,59
